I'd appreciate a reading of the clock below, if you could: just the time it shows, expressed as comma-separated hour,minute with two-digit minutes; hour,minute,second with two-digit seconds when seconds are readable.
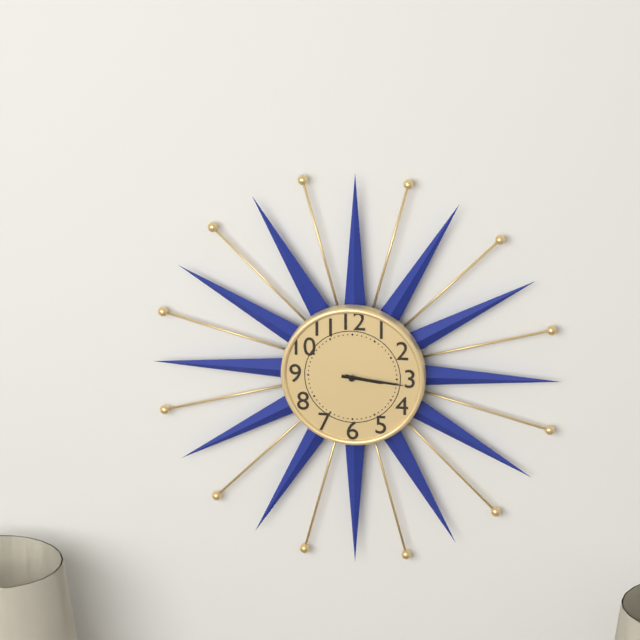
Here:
3,16
